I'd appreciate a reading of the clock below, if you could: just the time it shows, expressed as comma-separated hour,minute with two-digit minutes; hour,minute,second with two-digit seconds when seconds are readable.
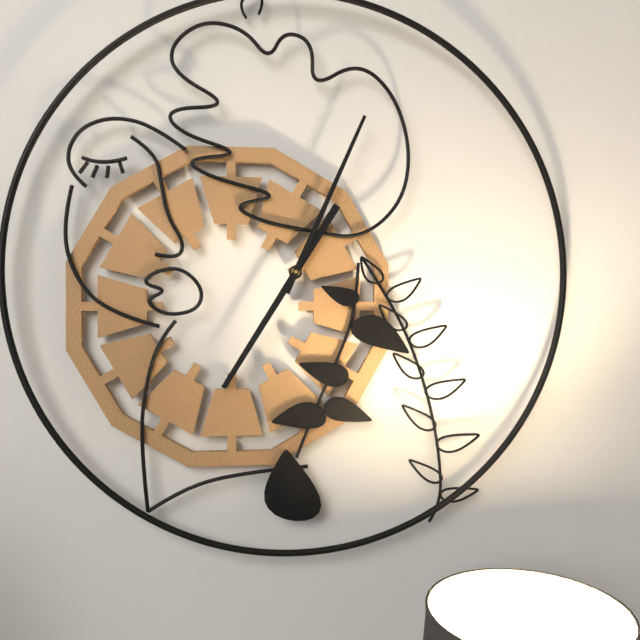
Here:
7,04
